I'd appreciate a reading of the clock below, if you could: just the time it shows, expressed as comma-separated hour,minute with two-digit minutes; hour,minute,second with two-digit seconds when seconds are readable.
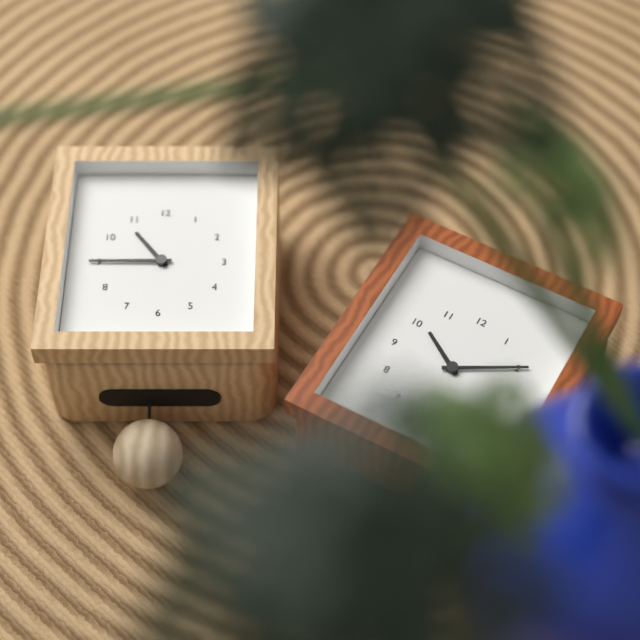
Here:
10,45
